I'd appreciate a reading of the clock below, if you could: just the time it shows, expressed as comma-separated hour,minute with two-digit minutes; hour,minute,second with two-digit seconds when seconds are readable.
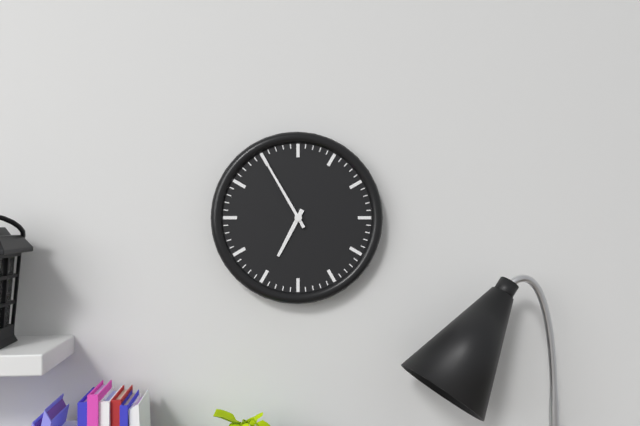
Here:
6,55
